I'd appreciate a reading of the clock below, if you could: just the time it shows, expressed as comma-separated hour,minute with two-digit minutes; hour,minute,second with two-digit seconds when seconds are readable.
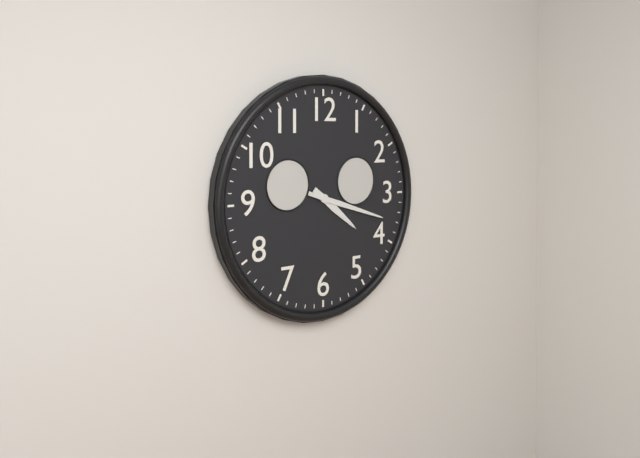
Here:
4,18
